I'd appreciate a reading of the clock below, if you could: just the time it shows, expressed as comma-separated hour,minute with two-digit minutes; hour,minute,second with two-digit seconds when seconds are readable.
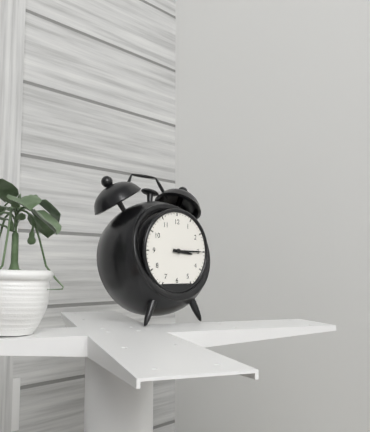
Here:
3,15
